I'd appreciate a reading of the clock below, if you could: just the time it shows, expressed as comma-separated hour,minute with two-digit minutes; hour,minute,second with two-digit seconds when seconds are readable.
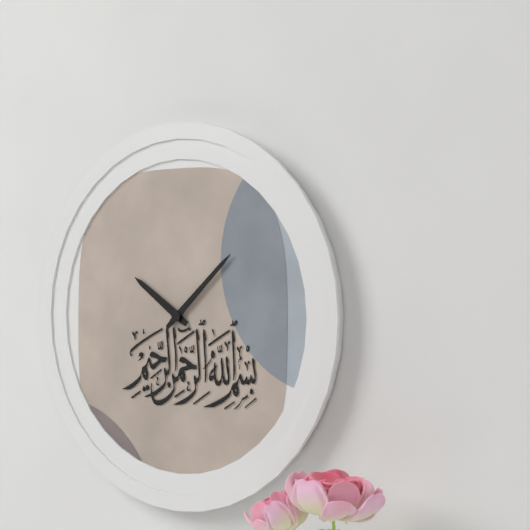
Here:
10,08
